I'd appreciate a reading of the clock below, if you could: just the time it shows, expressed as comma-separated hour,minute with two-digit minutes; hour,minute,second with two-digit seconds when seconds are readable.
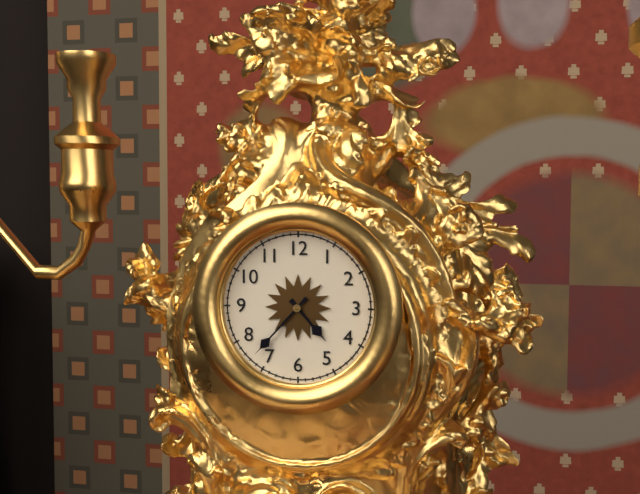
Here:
4,37
